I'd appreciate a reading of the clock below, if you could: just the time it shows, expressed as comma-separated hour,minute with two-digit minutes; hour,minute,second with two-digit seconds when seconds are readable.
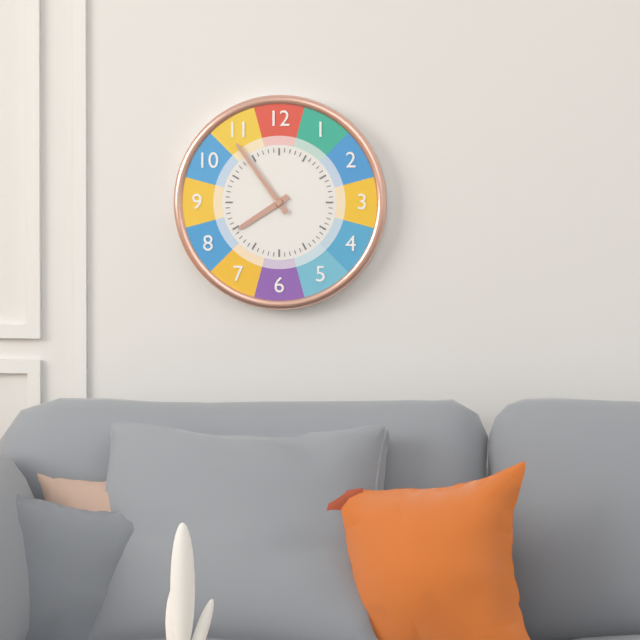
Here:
7,54
